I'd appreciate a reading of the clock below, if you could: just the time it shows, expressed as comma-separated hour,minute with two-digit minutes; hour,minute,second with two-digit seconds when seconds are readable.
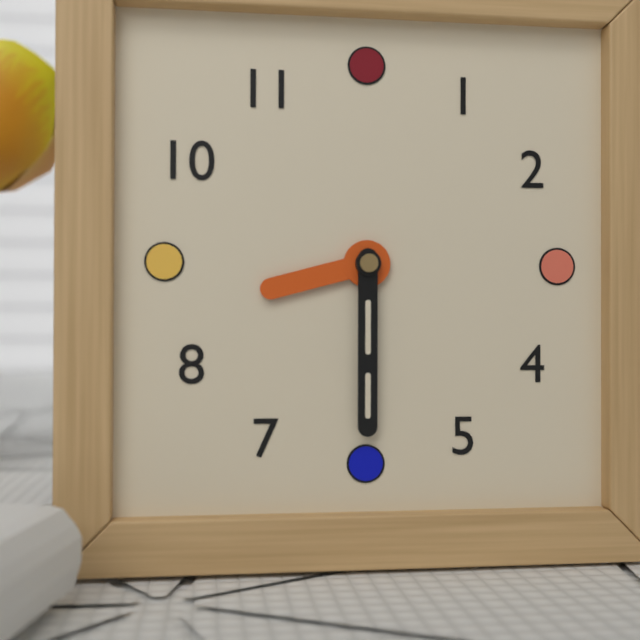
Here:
8,30
